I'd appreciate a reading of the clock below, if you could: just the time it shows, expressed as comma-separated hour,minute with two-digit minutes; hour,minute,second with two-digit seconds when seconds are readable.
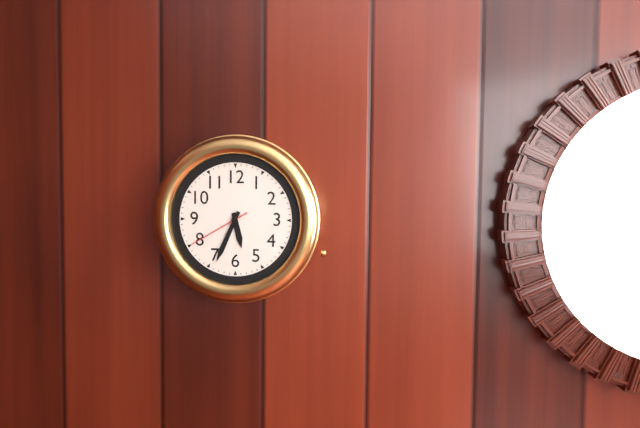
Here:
5,34,40
